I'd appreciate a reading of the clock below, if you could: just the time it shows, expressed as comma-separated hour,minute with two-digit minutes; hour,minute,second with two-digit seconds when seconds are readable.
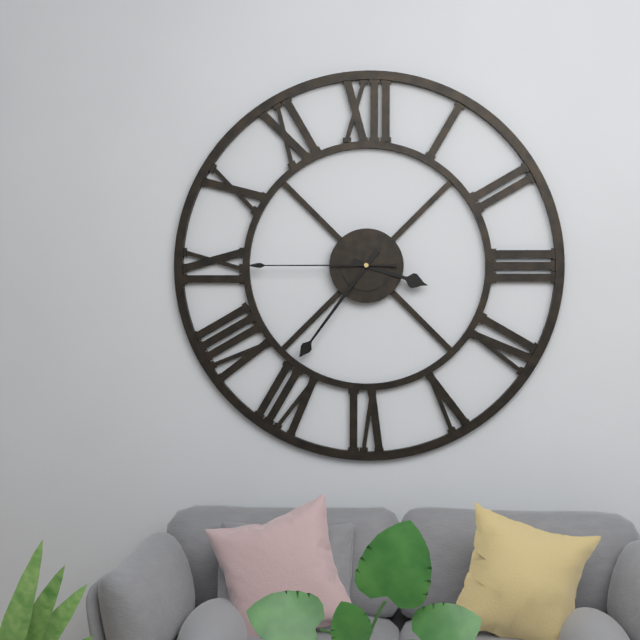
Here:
3,36,45
